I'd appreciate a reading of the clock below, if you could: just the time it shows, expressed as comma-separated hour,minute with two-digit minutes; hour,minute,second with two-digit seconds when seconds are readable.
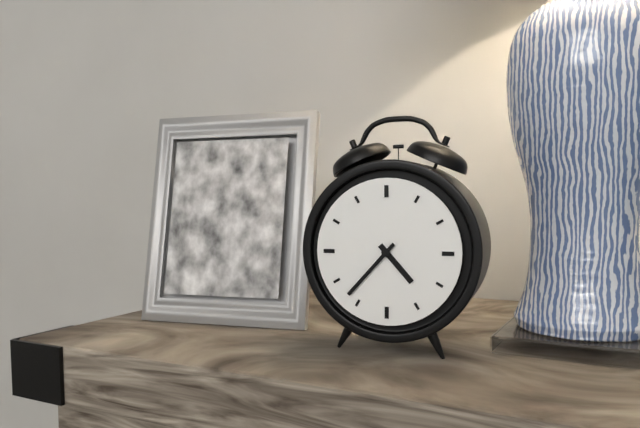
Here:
4,37
